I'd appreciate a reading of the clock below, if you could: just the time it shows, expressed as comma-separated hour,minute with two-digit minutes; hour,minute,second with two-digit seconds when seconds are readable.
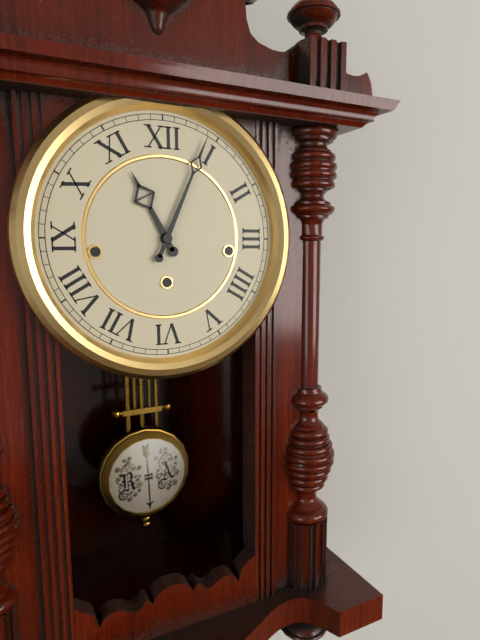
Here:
11,04
